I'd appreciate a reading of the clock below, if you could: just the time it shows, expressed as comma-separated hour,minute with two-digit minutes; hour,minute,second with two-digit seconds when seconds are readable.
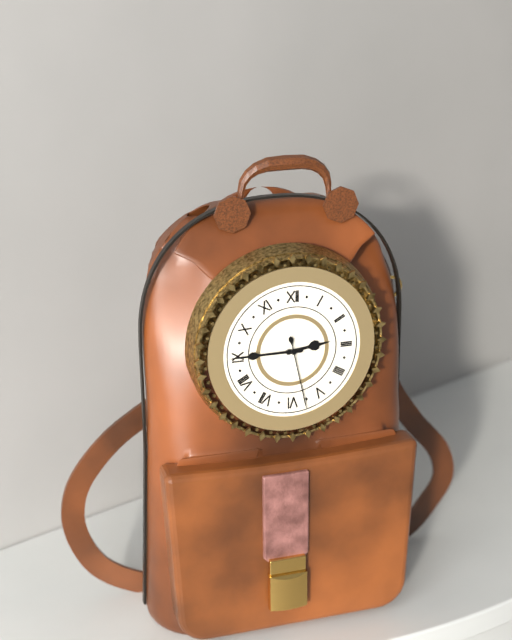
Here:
2,45,28
